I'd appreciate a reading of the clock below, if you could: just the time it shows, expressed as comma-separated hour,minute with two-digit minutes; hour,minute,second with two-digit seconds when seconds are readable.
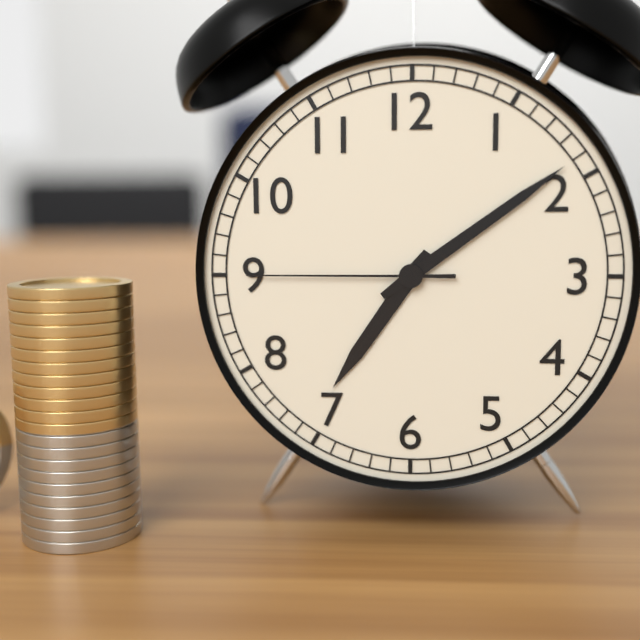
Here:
7,09,45
